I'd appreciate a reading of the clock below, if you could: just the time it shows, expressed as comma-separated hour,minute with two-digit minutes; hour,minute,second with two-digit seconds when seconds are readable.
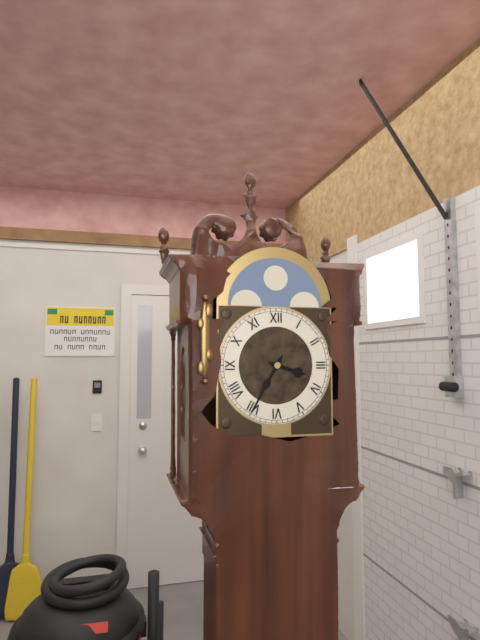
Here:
3,35
